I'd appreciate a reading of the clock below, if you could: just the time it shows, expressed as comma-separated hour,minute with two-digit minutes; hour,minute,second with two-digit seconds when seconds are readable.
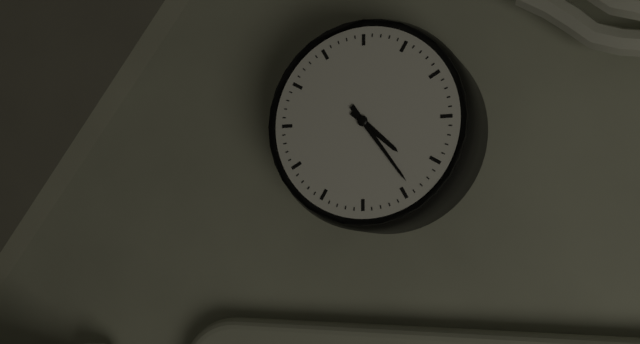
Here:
4,24
